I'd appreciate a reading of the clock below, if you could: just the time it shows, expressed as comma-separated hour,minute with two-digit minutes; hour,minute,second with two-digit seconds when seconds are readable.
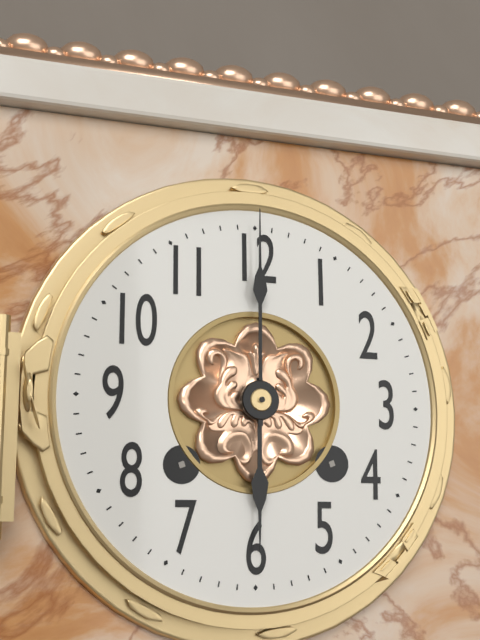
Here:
6,00
